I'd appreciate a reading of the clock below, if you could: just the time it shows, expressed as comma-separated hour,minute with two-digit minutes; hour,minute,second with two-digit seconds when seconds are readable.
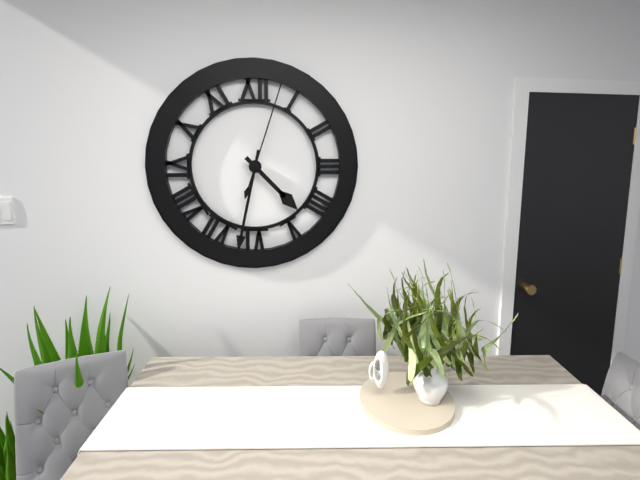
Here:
4,32,03
